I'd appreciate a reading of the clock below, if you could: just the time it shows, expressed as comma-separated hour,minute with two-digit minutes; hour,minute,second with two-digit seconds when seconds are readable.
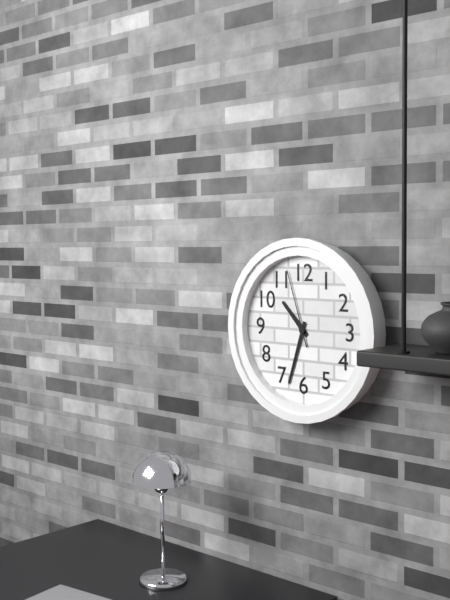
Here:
10,33,57
